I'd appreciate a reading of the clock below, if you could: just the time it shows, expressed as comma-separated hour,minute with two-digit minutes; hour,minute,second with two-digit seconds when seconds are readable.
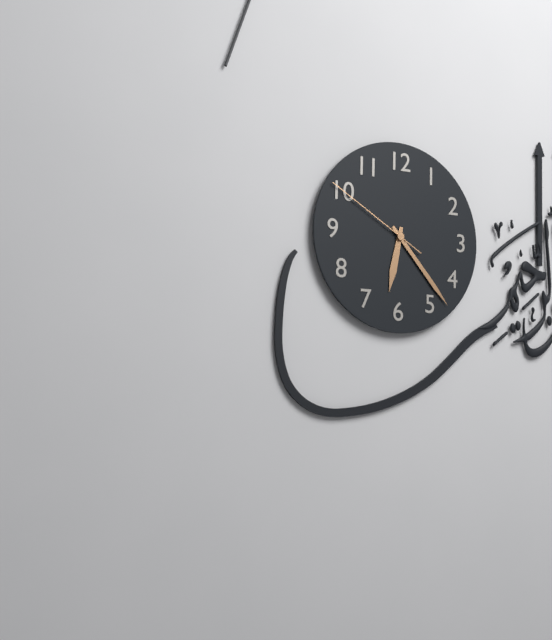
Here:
6,23,50
